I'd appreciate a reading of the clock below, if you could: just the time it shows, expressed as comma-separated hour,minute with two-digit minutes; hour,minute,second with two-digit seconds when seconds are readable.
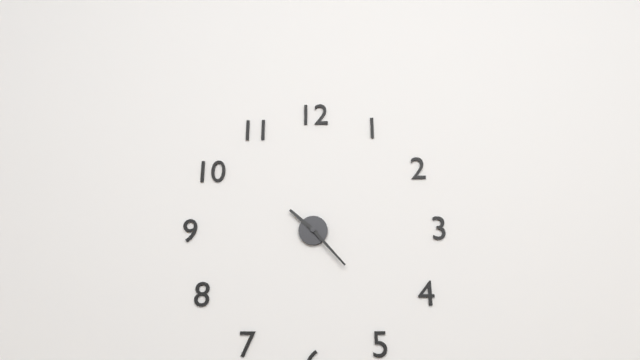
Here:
10,23
